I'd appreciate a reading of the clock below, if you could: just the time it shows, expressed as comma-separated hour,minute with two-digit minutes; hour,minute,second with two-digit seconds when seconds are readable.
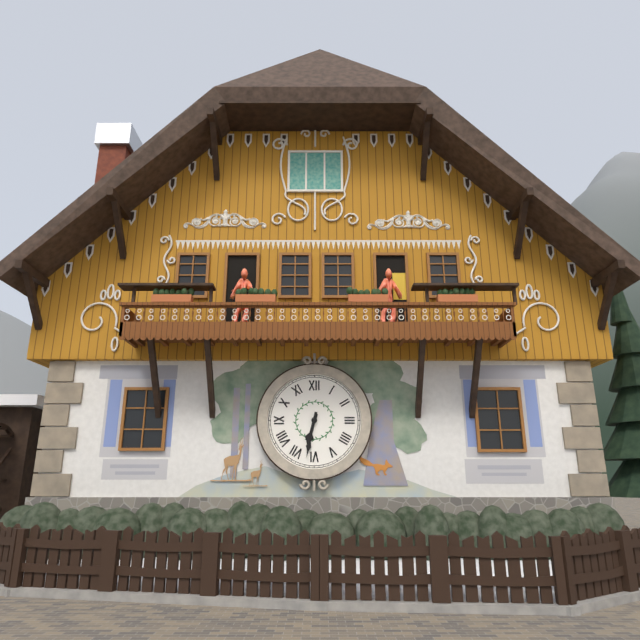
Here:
6,32
